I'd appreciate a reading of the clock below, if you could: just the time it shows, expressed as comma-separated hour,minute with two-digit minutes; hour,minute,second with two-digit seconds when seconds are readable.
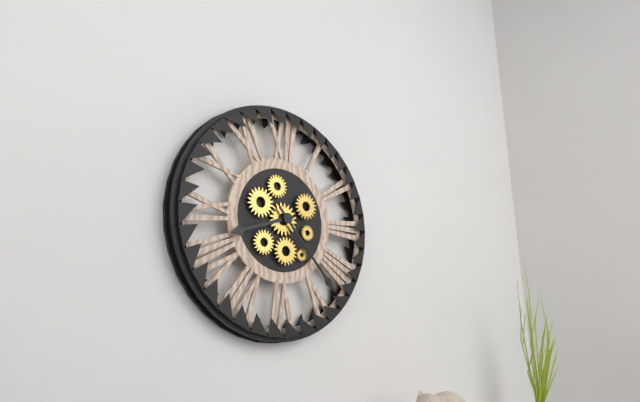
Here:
8,23
